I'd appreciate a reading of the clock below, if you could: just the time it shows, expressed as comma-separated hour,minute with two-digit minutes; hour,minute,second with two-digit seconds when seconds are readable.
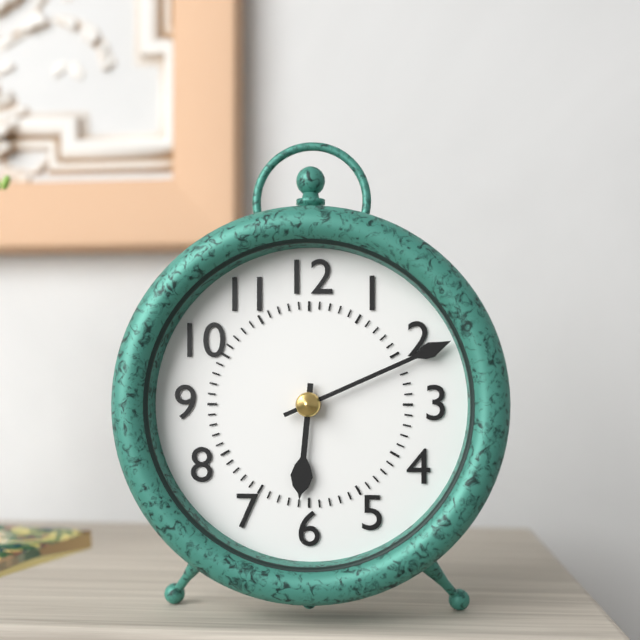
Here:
6,11
